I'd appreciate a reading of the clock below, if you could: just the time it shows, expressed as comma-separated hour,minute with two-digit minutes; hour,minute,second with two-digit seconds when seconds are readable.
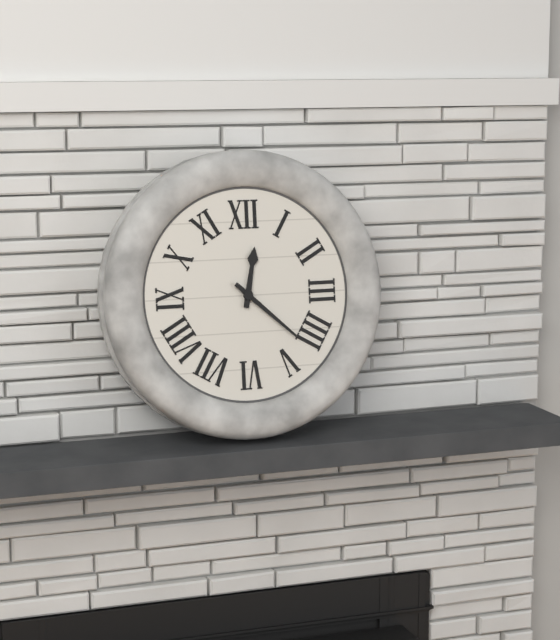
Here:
12,22
